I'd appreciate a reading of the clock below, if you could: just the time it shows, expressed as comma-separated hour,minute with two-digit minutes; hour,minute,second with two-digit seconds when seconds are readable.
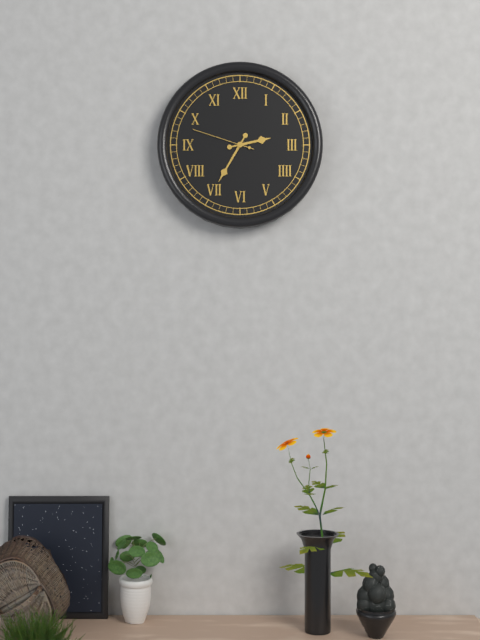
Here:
2,35,48
